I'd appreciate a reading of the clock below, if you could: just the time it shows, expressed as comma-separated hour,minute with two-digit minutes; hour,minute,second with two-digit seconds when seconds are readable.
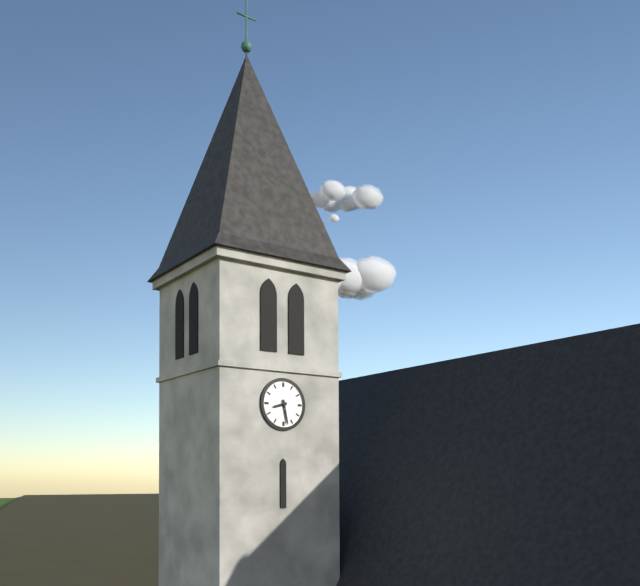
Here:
8,28
